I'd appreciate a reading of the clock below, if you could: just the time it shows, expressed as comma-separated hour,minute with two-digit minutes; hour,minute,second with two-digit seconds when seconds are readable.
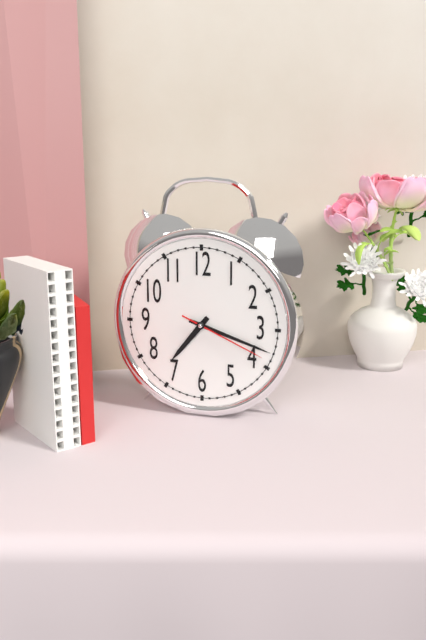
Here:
7,18,19
